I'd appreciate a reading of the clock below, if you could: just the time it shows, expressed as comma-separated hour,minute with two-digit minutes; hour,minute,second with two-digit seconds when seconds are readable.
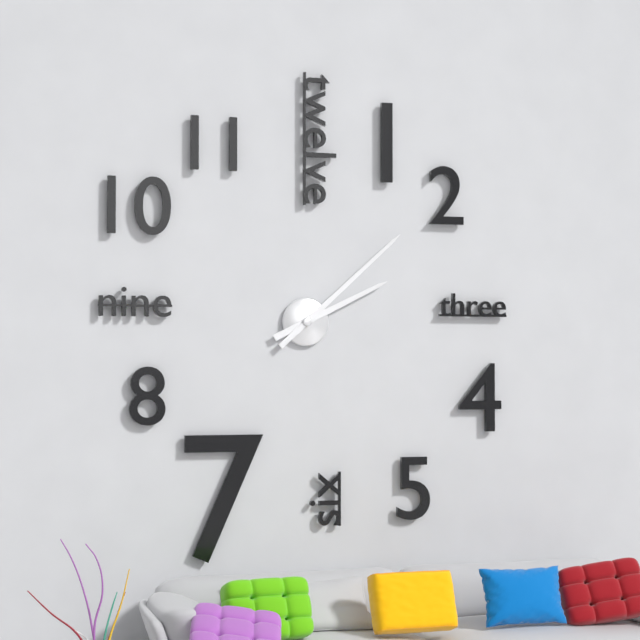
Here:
2,08
